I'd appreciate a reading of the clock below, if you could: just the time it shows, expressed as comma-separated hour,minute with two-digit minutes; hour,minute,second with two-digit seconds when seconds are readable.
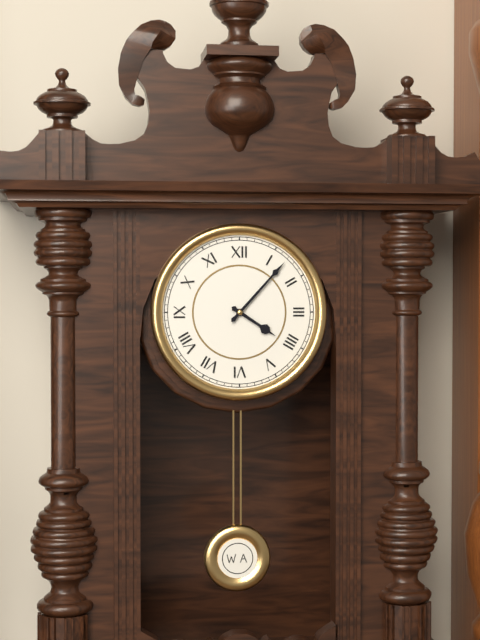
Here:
4,07
